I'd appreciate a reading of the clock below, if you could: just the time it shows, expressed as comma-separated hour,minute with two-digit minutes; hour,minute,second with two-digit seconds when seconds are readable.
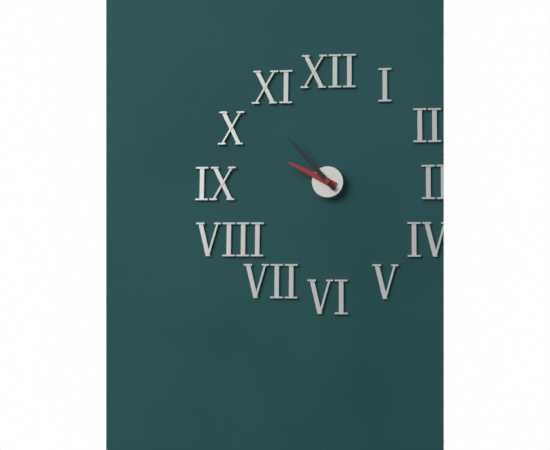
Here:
9,53
